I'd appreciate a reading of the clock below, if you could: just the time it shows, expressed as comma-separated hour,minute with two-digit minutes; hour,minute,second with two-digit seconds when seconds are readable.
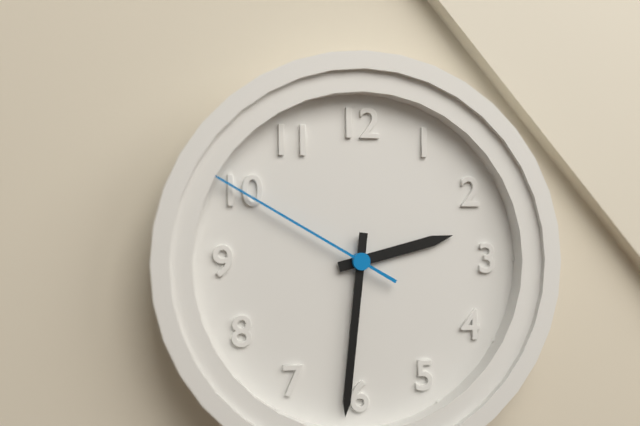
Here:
2,31,50
